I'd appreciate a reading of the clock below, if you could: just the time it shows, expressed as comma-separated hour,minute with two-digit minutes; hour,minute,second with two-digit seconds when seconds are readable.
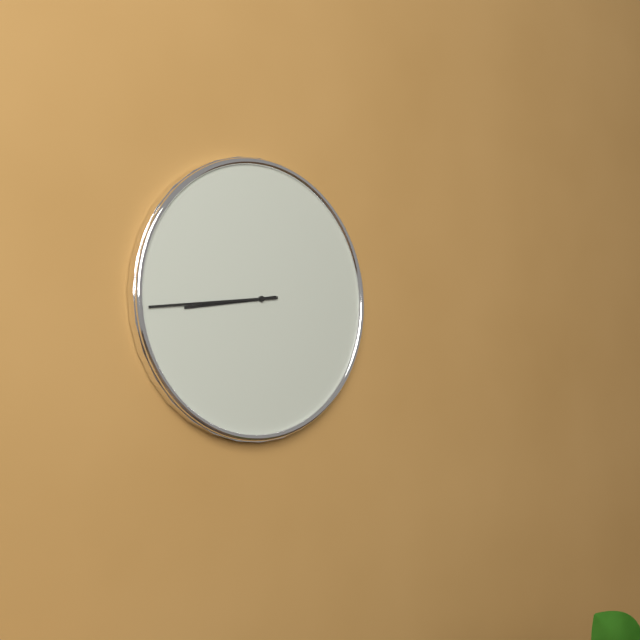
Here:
8,44
